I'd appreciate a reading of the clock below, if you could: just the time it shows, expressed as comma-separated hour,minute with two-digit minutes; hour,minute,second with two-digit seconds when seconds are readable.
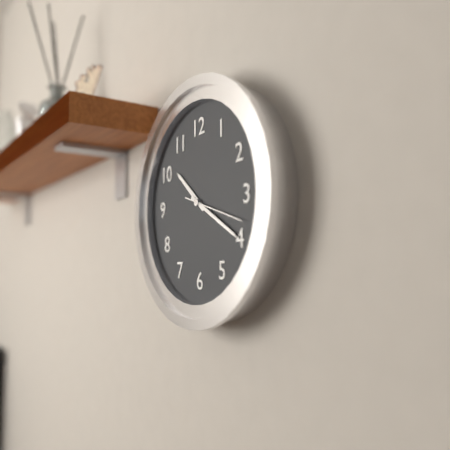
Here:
10,20,18
